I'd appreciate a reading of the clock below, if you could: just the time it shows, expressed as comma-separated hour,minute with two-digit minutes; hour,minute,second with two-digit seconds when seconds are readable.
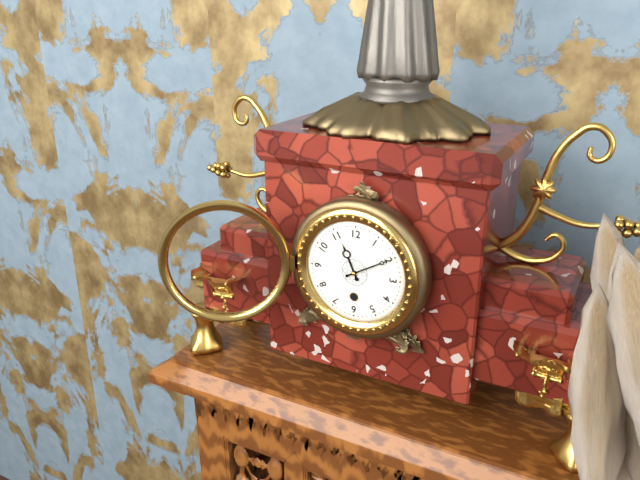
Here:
11,10
